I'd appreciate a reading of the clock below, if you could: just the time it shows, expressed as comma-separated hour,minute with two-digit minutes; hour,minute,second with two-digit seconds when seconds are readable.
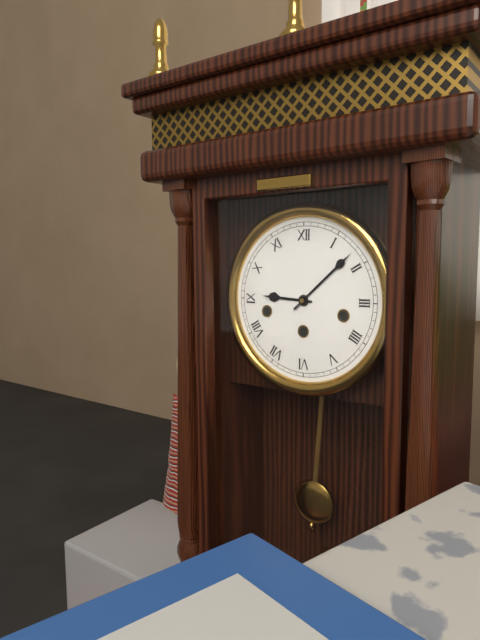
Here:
9,08
